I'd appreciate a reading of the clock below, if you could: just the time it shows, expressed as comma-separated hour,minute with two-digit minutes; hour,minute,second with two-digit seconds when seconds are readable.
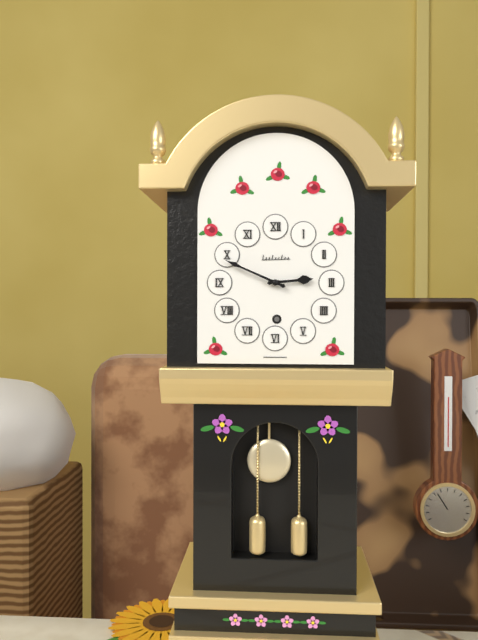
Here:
2,49
